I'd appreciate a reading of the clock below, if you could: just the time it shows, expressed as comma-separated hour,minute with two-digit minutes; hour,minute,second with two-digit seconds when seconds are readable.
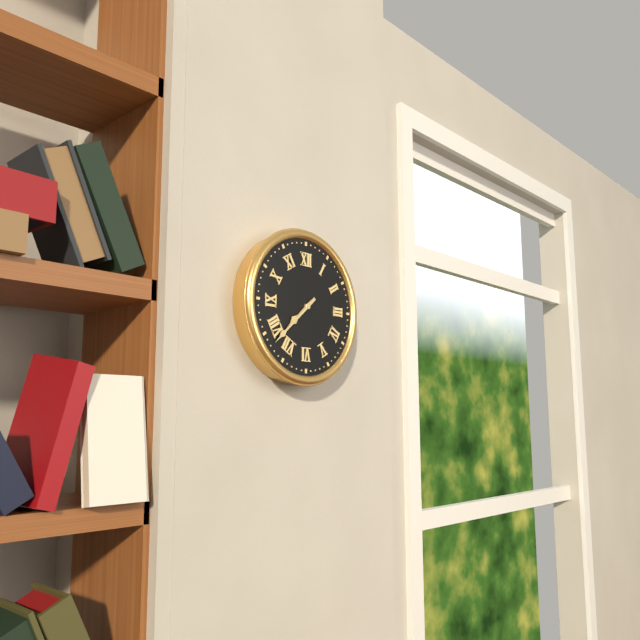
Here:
7,38
